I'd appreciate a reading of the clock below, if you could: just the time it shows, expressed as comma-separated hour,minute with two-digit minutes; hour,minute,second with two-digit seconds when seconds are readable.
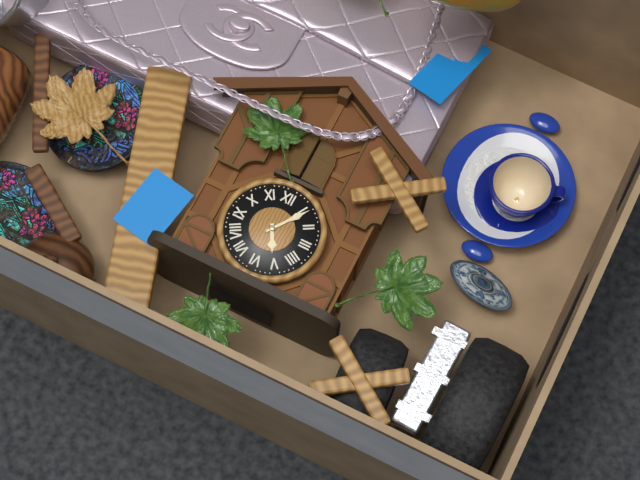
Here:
5,06
